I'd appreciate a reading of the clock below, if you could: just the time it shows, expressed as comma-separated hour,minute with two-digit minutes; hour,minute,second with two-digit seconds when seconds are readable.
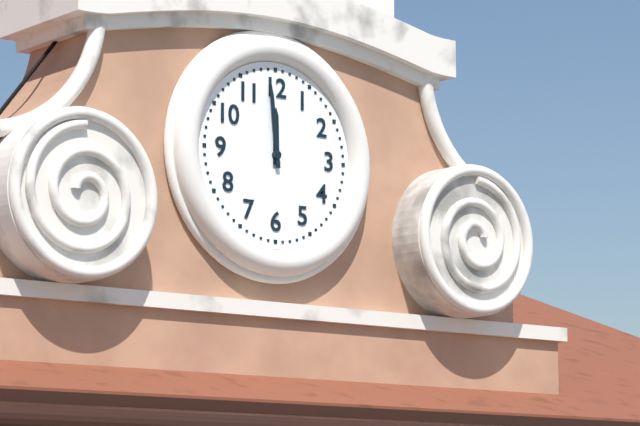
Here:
11,59
